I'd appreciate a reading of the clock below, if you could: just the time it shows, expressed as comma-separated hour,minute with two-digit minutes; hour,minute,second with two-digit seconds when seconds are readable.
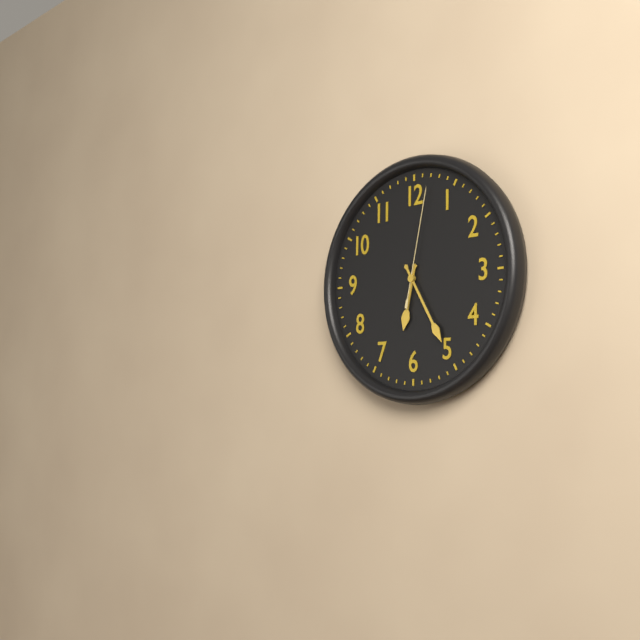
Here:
6,25,02
